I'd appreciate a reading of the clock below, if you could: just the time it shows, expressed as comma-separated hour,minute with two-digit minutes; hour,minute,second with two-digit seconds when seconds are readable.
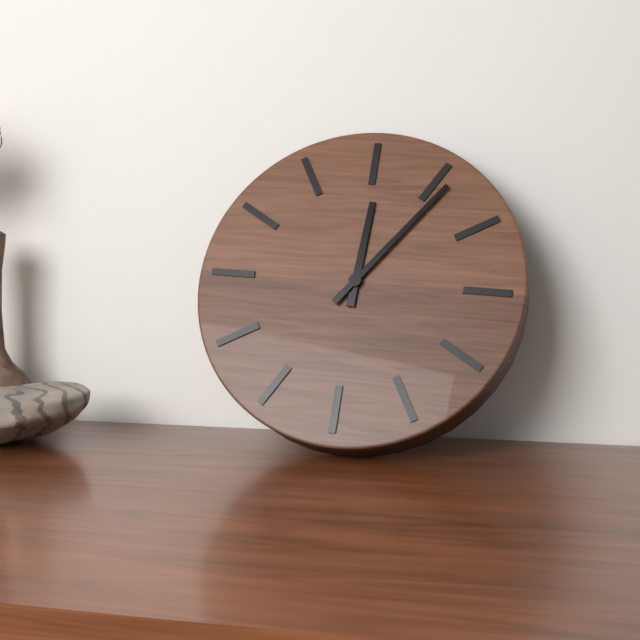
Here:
12,06
